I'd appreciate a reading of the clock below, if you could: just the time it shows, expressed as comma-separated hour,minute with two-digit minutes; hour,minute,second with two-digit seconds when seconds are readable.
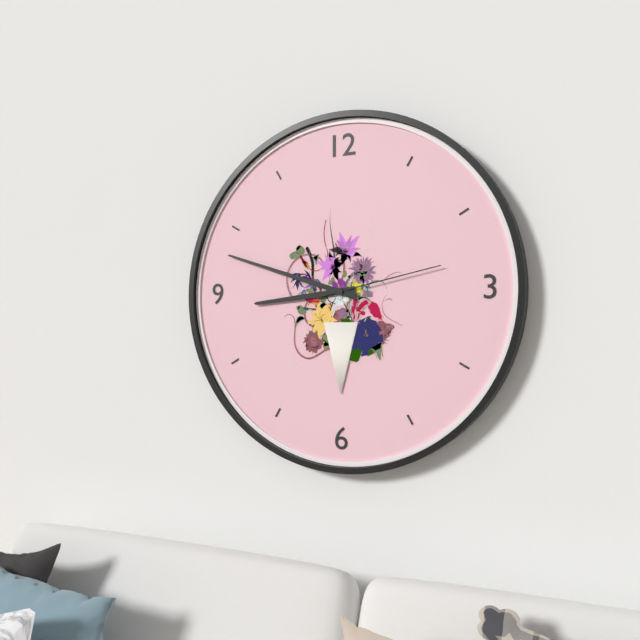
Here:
8,48,13
